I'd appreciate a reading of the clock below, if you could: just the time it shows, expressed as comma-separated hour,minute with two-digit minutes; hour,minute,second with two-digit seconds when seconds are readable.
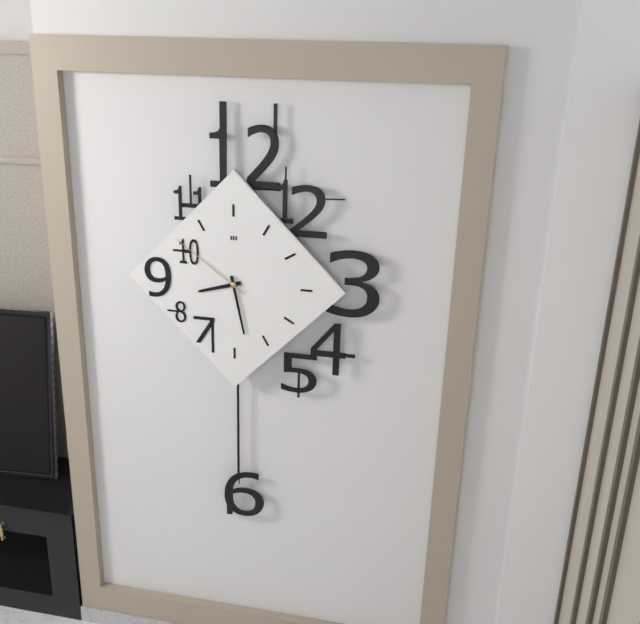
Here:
8,28,51
